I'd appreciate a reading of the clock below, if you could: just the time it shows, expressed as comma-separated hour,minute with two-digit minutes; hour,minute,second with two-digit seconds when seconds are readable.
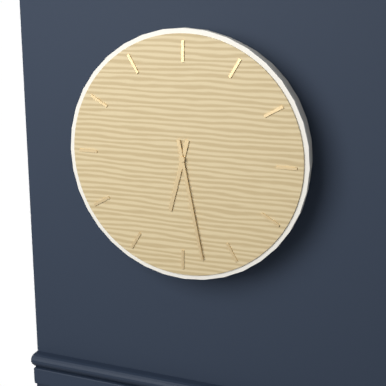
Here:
6,28
